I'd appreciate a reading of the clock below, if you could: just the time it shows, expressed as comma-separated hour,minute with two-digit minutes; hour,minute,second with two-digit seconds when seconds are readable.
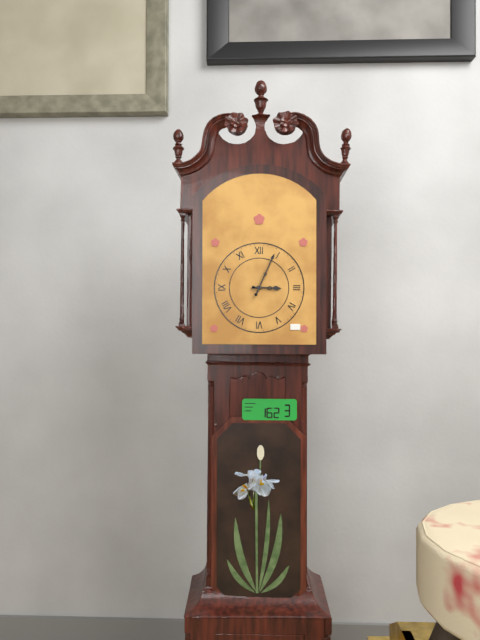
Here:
3,04
